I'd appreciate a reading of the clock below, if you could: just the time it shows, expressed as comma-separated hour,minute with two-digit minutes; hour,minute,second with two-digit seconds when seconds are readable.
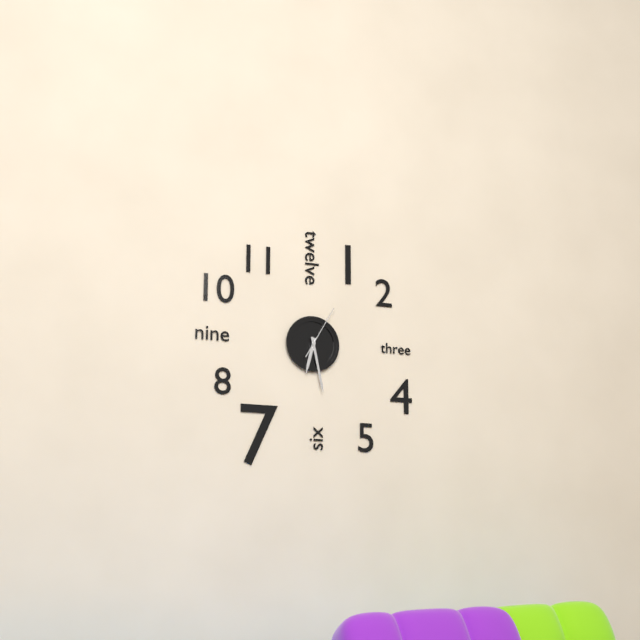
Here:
6,28,05
